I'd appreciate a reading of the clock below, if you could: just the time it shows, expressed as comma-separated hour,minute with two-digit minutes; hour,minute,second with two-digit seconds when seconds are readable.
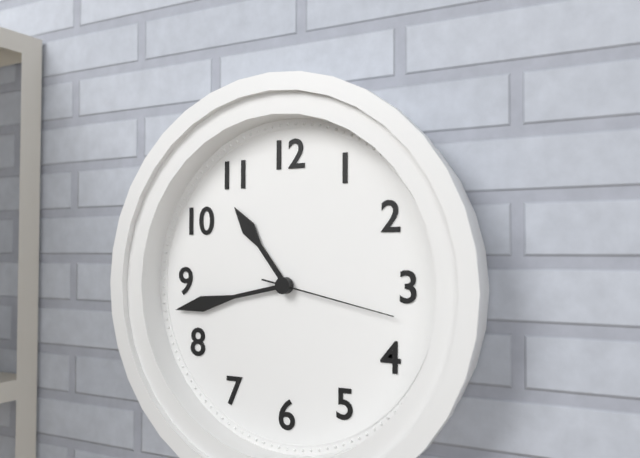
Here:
10,43,17
